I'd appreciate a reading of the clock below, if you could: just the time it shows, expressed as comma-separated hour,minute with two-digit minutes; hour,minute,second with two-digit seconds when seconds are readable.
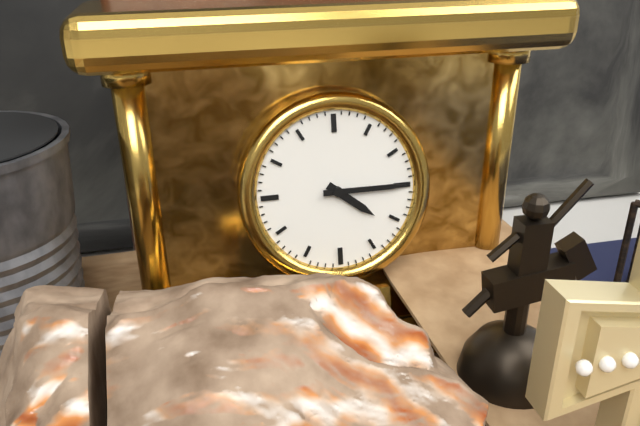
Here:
4,15
